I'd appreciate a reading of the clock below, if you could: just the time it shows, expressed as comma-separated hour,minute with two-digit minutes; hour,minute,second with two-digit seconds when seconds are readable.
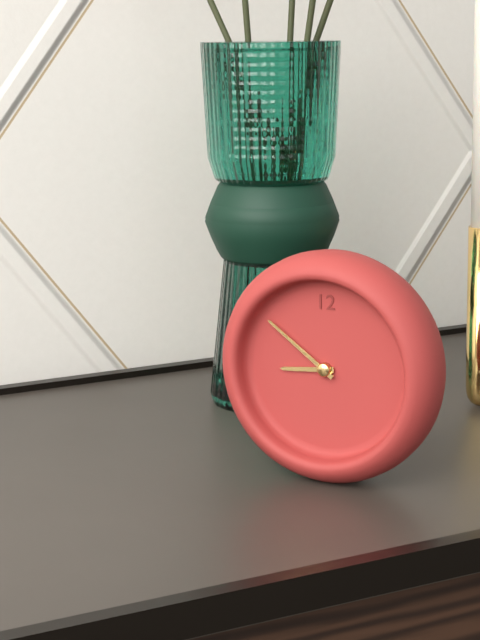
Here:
8,51
